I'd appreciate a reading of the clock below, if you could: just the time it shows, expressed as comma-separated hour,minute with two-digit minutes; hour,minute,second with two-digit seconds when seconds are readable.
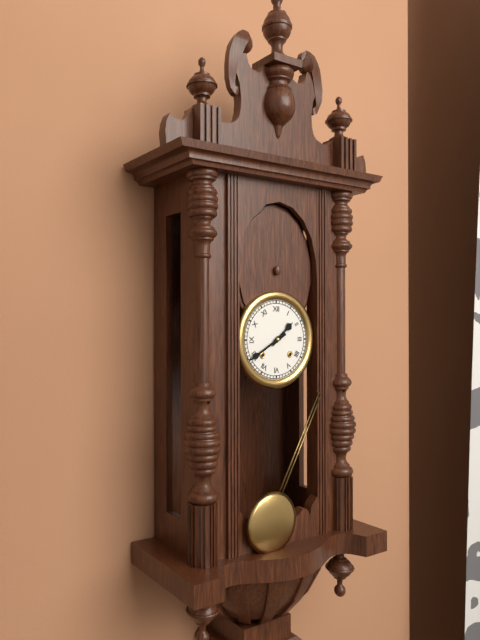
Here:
1,40
